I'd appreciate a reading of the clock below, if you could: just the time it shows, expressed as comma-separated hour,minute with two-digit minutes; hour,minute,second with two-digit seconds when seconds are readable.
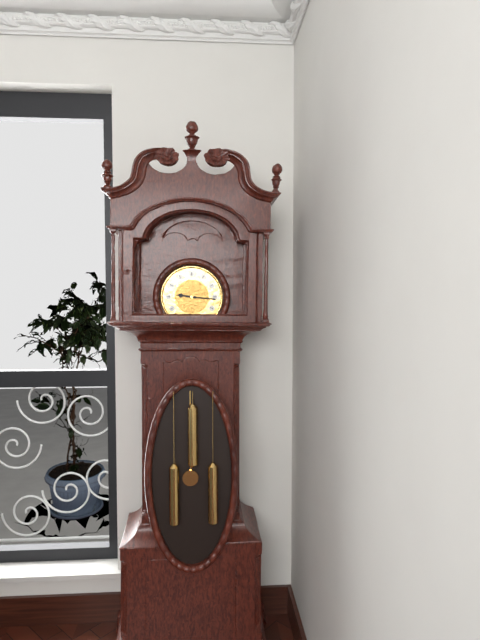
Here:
9,16
